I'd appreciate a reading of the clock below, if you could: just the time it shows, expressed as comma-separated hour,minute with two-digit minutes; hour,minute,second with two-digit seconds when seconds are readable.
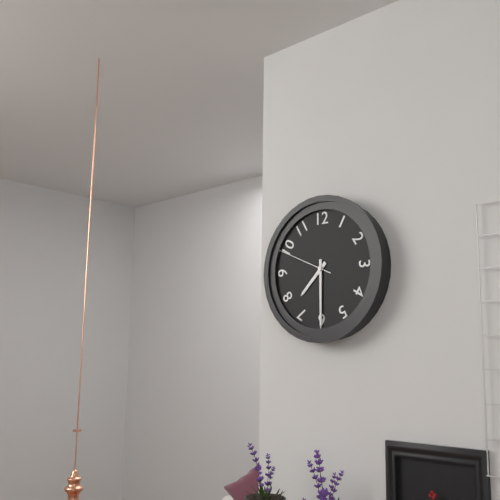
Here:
7,30,49
